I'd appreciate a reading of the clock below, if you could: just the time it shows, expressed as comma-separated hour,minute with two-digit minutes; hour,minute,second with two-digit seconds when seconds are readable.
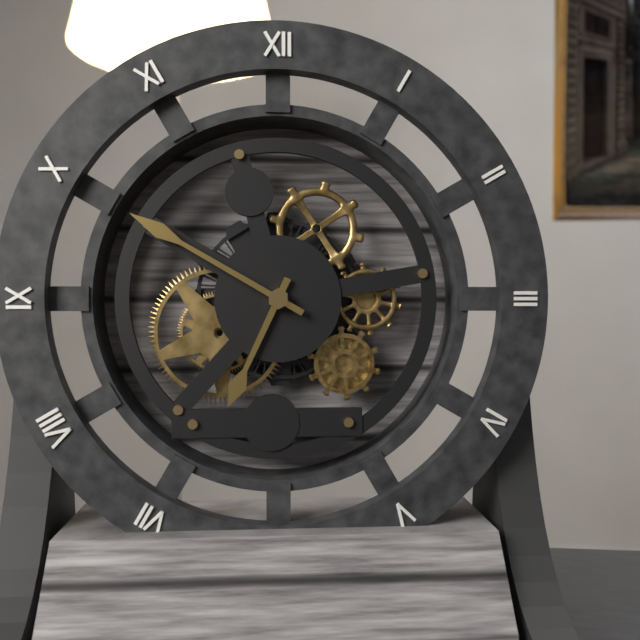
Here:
6,50
